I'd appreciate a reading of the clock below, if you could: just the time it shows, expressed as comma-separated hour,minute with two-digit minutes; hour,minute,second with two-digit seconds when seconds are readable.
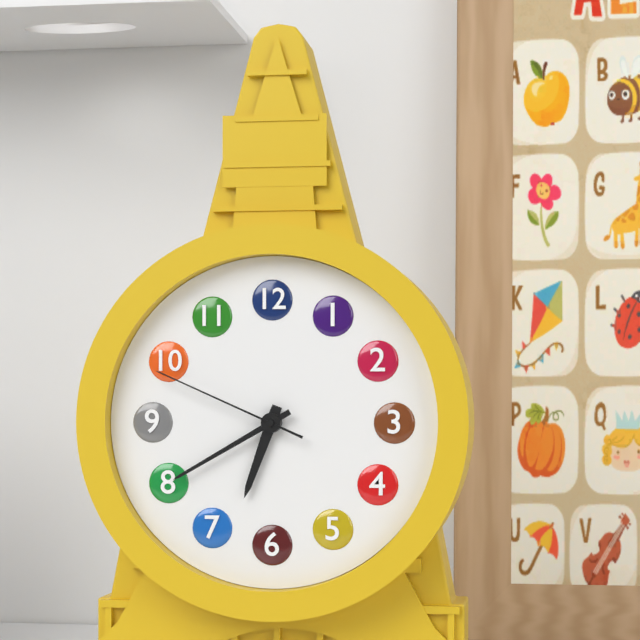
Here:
6,40,49
